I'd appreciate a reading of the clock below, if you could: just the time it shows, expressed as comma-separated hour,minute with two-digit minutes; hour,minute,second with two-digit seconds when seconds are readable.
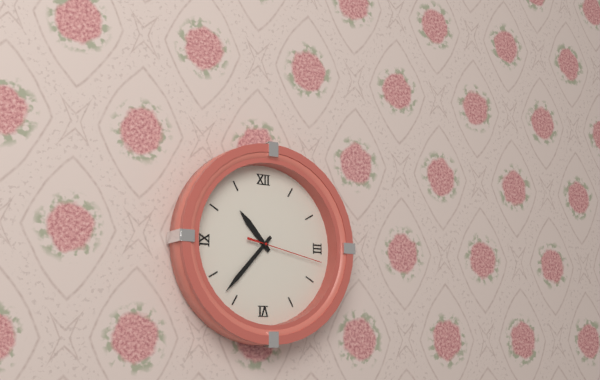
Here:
10,37,17
